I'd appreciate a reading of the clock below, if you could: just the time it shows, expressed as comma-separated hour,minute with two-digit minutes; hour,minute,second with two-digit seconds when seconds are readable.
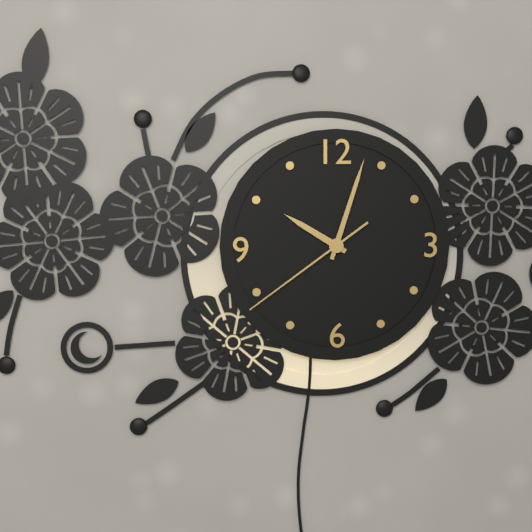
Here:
10,03,39
